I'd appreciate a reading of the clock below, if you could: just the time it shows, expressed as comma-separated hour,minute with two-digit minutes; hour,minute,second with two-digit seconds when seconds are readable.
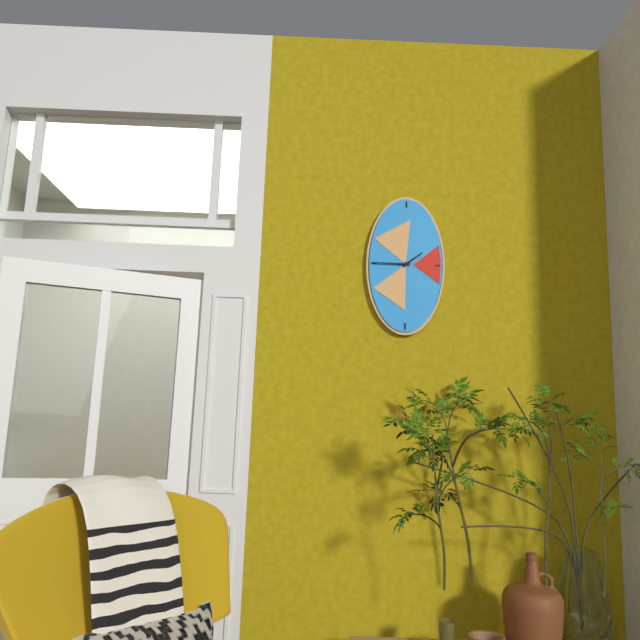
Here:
1,45
